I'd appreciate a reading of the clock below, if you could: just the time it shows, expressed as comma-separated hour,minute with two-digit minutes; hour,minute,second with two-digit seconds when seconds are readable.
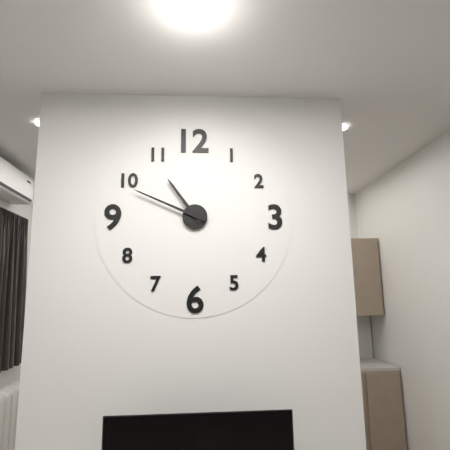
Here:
10,49
